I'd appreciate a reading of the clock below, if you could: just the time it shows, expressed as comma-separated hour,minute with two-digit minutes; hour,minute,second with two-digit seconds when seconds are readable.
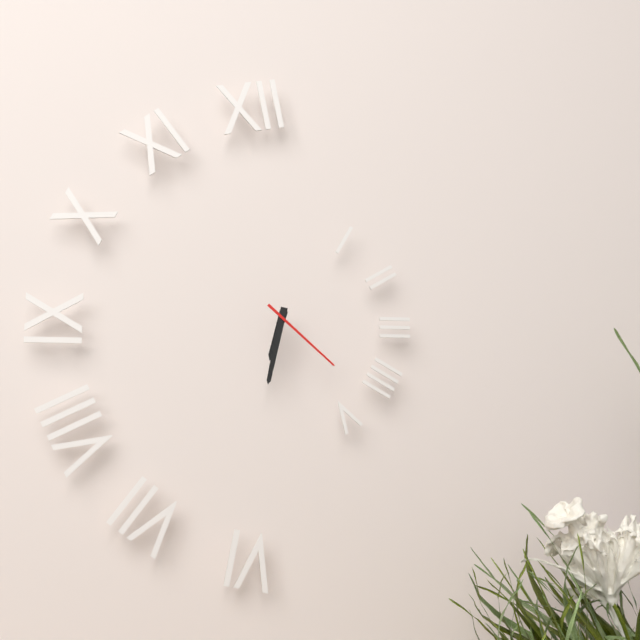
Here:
6,32,22
